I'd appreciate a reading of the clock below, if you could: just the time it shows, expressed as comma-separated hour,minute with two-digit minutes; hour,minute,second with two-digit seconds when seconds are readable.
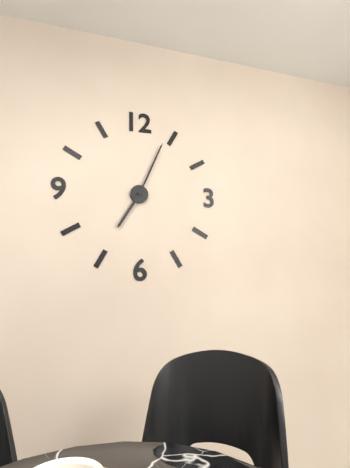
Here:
7,04
